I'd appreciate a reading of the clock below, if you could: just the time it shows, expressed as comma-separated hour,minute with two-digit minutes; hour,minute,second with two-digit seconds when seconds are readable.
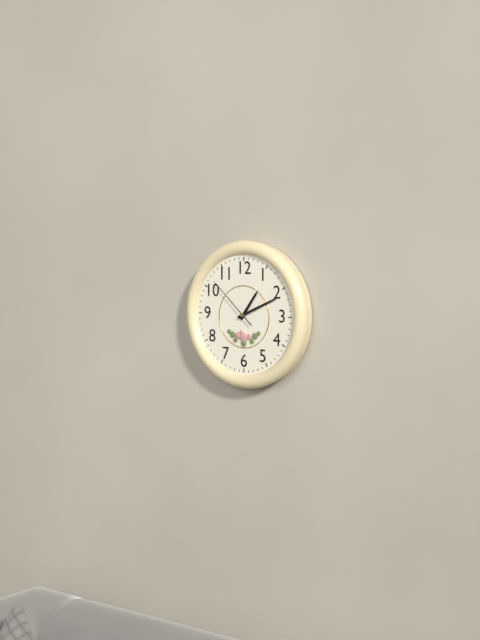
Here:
1,11,52
